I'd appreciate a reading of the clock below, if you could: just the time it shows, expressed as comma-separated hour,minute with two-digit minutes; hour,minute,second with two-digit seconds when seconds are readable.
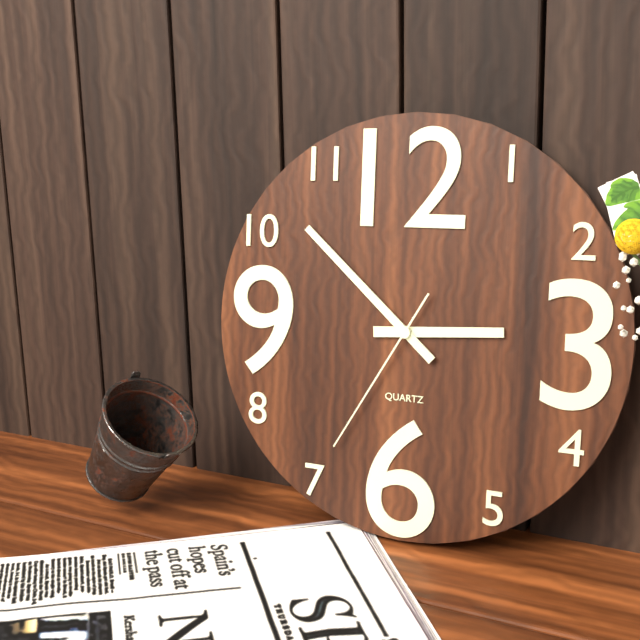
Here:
2,52,35
